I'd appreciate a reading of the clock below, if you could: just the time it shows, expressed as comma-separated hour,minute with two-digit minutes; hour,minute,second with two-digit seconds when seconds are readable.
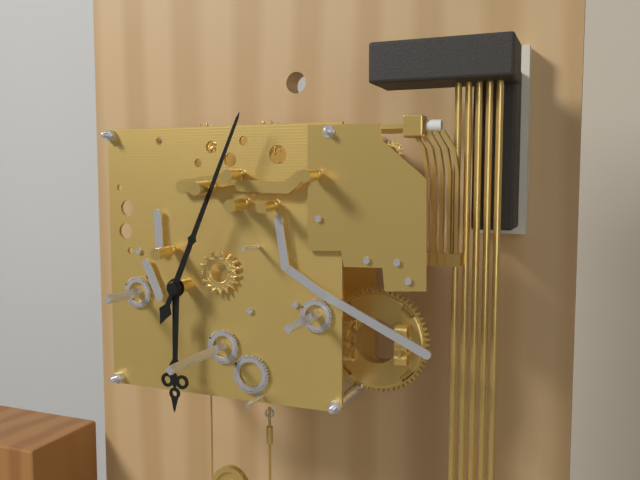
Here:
6,04
